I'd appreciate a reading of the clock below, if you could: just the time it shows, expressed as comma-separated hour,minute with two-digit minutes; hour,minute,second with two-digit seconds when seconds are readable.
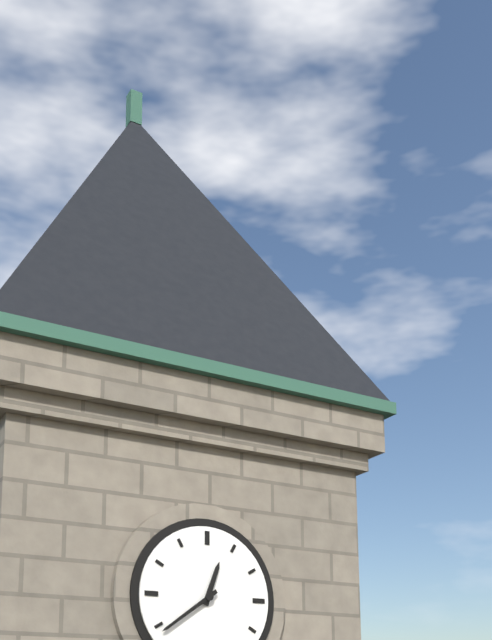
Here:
12,39
